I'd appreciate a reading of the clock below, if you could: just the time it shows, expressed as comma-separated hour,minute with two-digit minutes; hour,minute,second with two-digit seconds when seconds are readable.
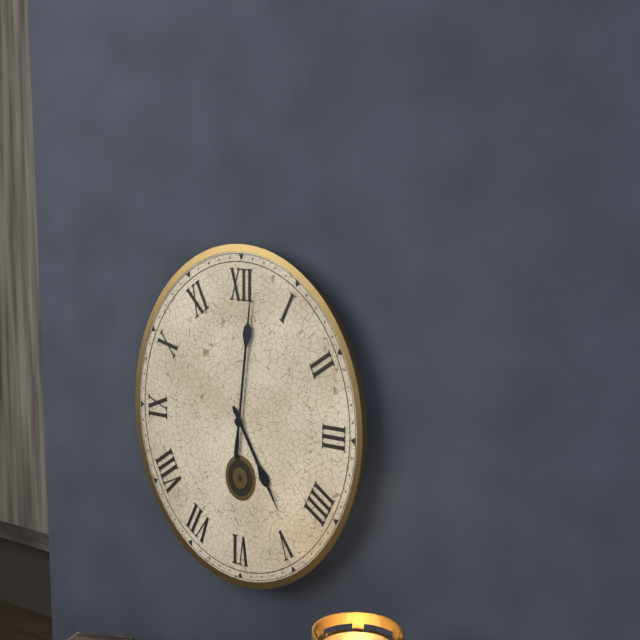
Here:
5,01
